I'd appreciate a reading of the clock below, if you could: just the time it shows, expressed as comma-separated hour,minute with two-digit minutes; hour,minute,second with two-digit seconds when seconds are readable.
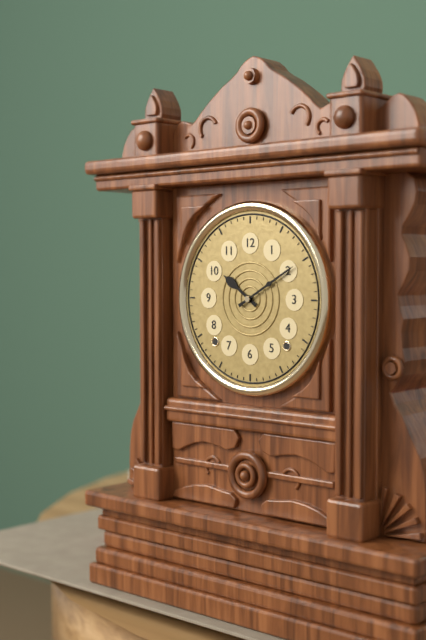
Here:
10,10
